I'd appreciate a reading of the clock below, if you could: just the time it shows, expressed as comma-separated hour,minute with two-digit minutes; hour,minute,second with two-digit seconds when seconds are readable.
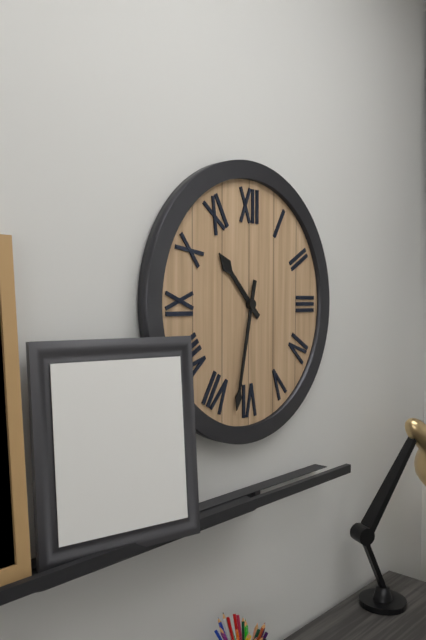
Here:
10,32
